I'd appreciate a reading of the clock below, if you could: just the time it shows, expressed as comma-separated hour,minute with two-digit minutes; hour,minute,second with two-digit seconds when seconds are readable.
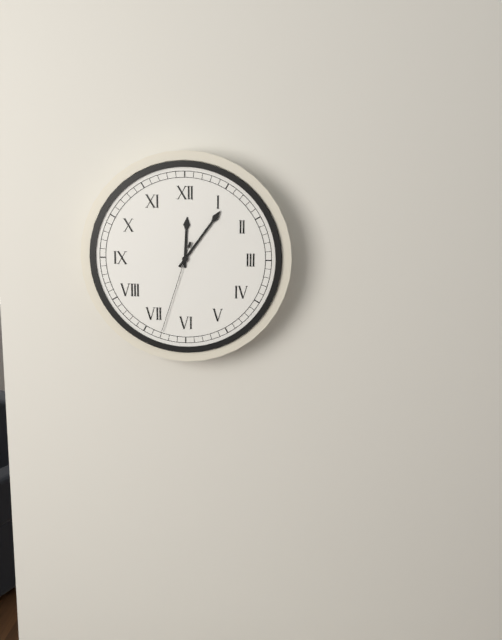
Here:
12,06,33
